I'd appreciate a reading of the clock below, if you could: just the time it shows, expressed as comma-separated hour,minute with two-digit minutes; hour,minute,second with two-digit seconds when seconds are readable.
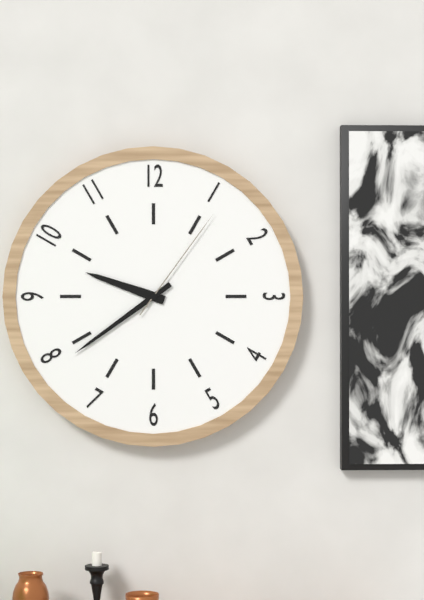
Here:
9,39,06
